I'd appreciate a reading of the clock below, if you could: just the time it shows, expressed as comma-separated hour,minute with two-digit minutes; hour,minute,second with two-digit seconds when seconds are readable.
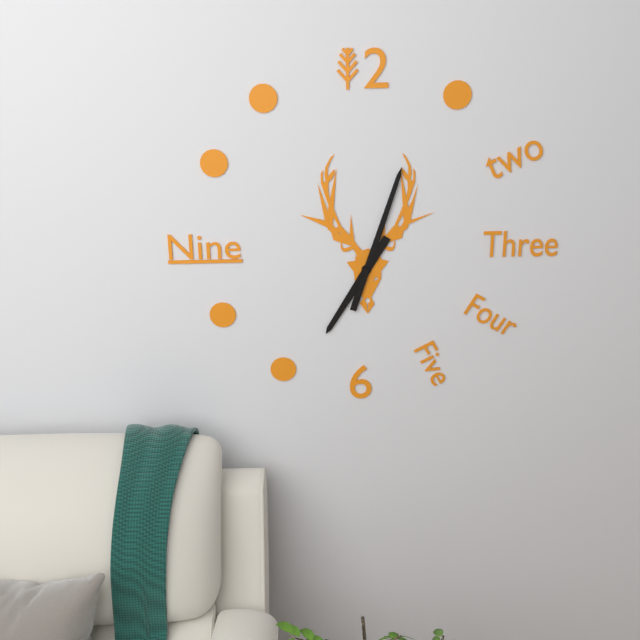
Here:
7,03
